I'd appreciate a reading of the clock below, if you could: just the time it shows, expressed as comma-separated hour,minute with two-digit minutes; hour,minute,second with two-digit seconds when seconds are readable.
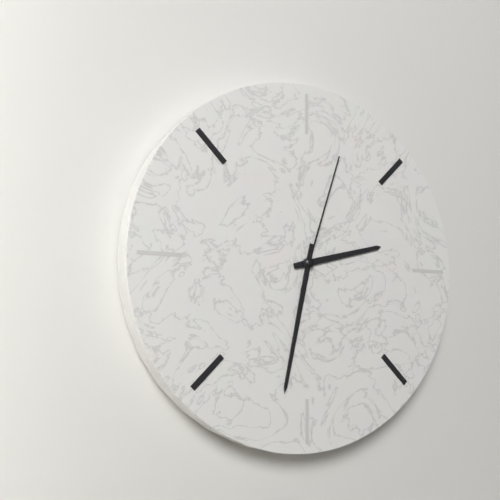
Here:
2,32,03
